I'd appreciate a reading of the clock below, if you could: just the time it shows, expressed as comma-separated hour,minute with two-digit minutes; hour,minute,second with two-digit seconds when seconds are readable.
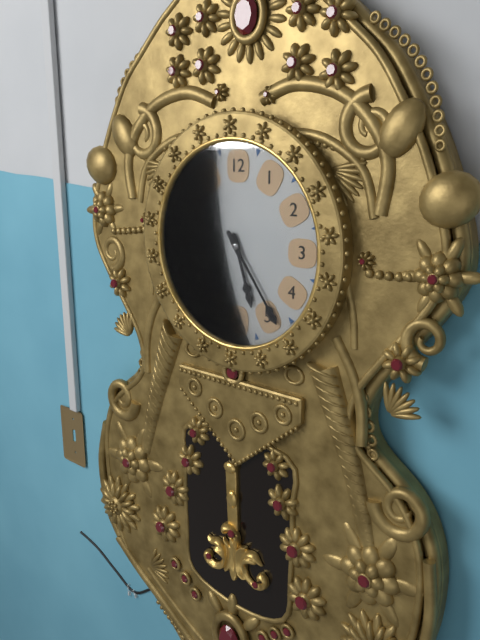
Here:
5,24
